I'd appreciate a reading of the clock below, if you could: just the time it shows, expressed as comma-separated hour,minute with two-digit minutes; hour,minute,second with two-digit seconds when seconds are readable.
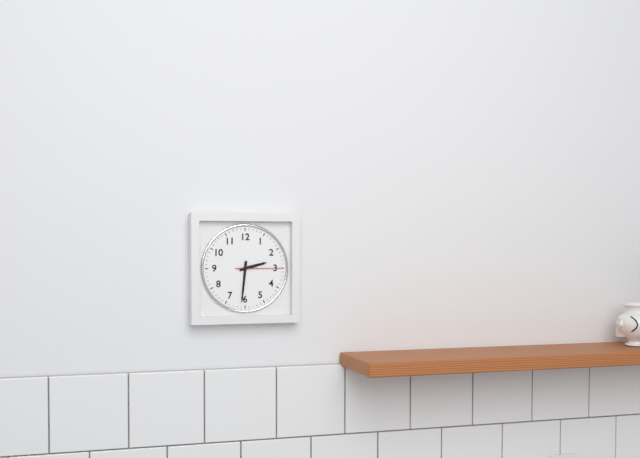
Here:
2,31
